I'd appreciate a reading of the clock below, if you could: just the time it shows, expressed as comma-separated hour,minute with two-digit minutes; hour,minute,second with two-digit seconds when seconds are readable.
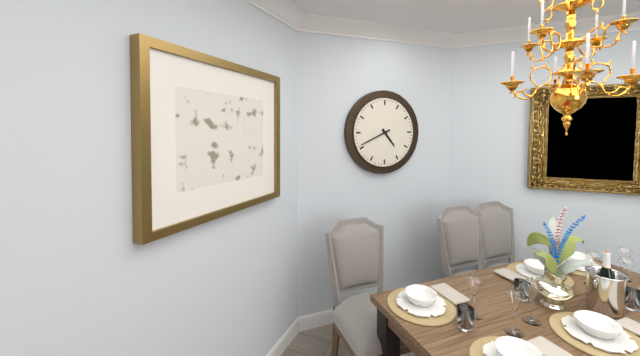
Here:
4,41
